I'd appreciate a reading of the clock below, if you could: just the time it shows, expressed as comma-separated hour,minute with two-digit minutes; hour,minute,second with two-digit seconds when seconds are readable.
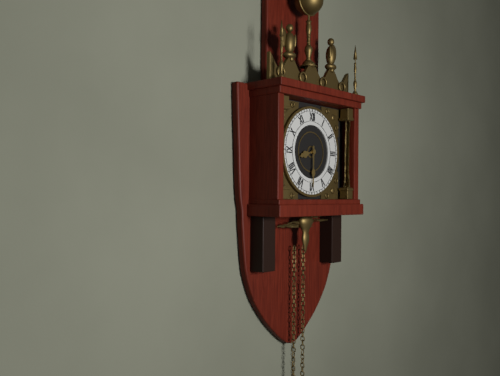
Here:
8,30
